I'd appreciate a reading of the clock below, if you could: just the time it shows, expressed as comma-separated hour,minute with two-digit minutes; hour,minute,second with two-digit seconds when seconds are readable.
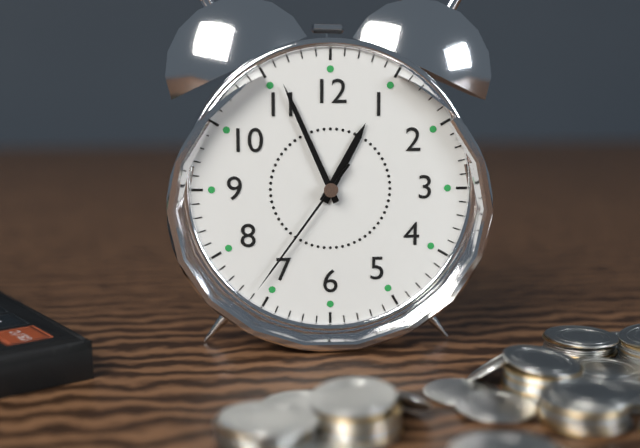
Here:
12,56,36
